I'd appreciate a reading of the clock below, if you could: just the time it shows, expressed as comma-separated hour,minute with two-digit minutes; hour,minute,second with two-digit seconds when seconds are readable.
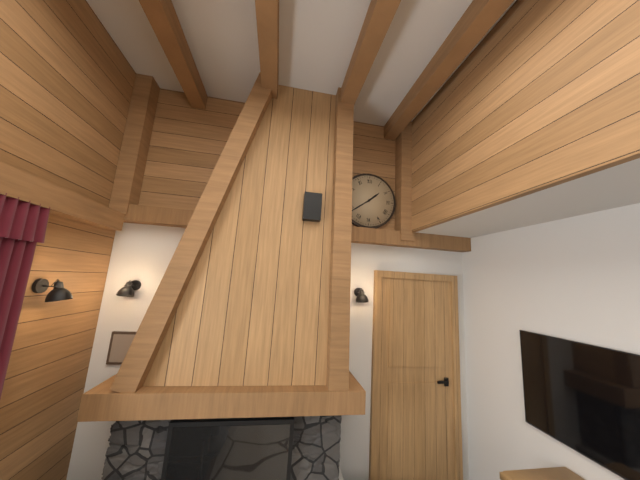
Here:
1,39
